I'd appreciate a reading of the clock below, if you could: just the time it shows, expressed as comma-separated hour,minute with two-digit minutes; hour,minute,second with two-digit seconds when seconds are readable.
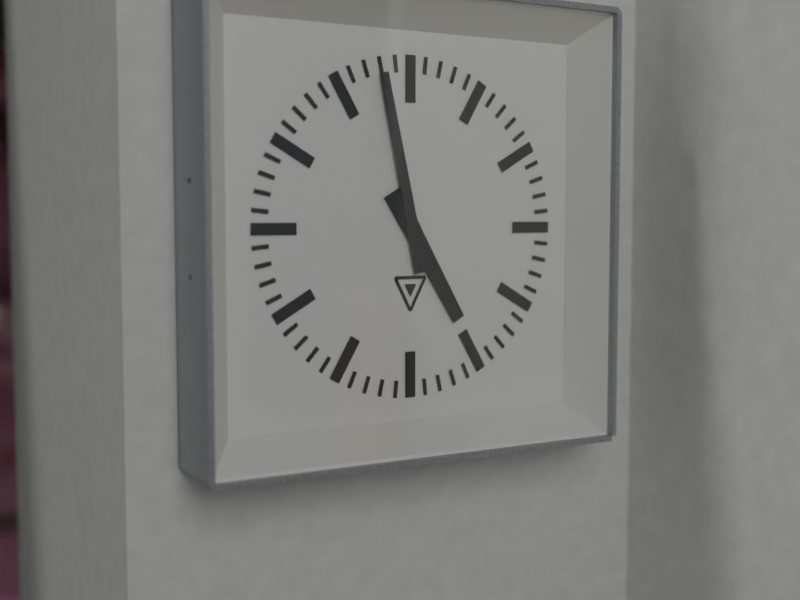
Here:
4,58
